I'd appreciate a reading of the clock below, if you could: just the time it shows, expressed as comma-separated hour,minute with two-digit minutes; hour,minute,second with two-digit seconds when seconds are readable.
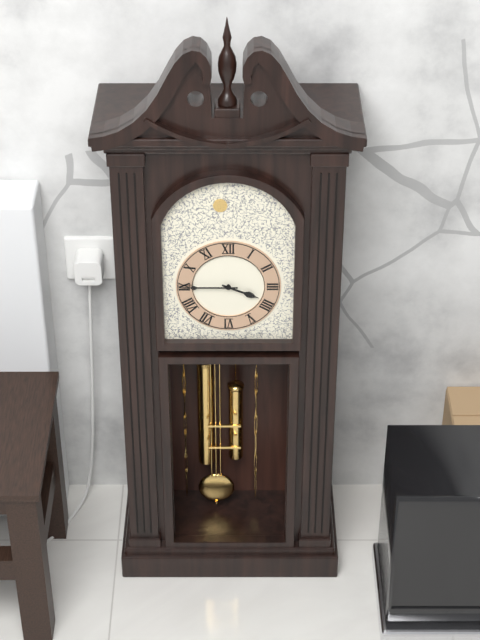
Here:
3,45
